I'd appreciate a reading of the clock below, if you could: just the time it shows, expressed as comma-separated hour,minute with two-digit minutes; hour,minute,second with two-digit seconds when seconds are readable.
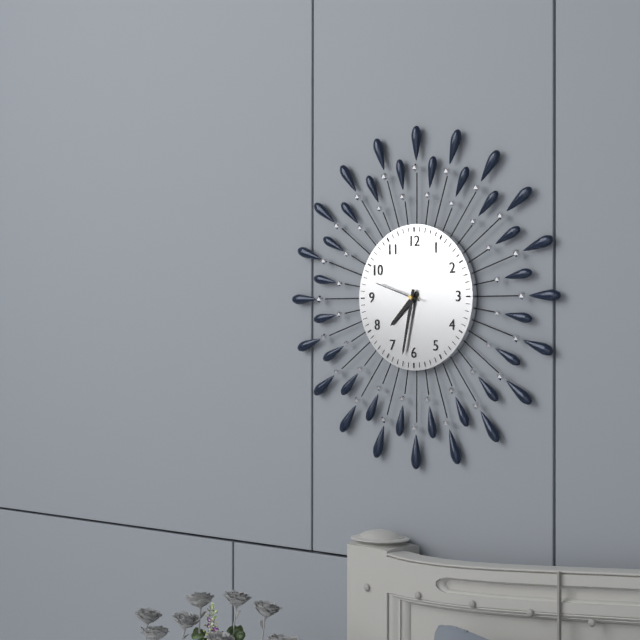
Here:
7,32
